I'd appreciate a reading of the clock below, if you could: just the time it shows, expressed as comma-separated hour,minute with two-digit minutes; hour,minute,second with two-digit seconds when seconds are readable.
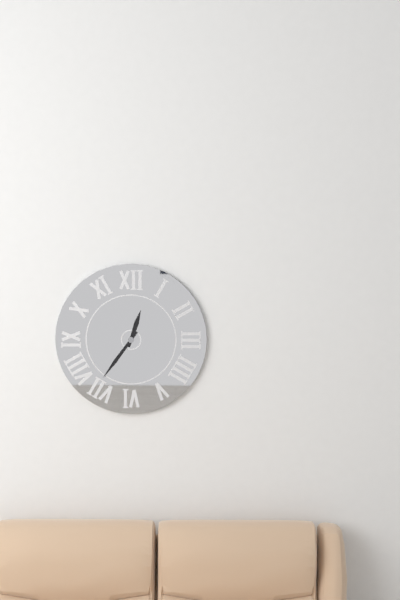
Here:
12,36
